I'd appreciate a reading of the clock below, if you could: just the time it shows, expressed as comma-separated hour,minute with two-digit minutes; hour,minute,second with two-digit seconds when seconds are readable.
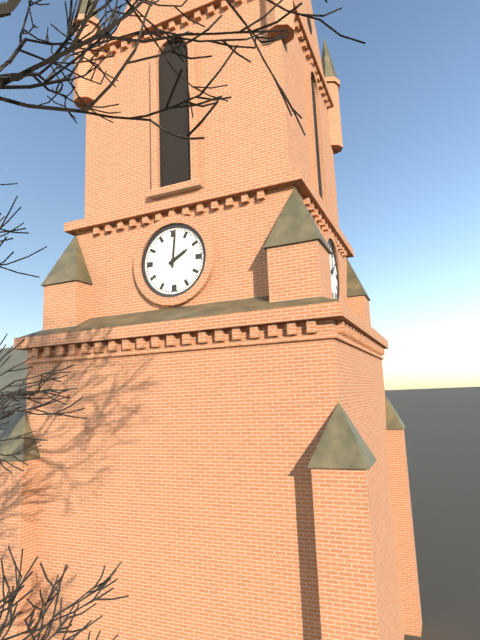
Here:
2,01
